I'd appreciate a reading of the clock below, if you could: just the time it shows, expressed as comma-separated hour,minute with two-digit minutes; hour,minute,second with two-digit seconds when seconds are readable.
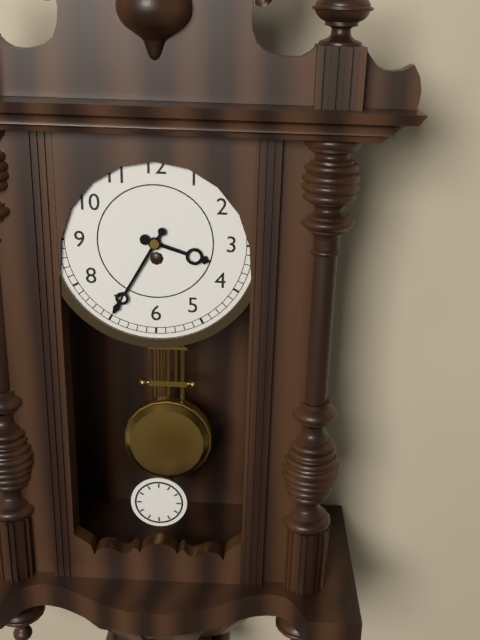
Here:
3,35
